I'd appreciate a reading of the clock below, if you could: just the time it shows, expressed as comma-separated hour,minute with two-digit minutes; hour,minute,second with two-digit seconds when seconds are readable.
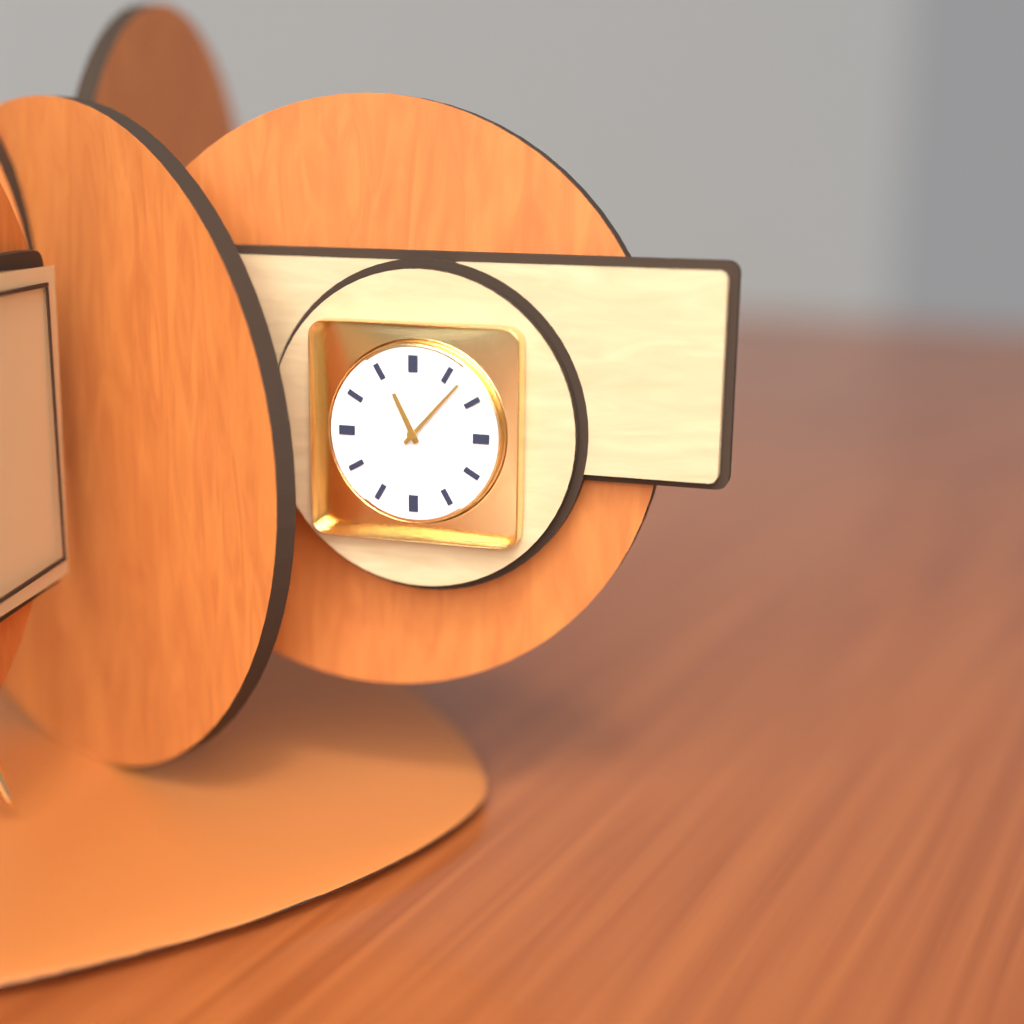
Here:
11,07
